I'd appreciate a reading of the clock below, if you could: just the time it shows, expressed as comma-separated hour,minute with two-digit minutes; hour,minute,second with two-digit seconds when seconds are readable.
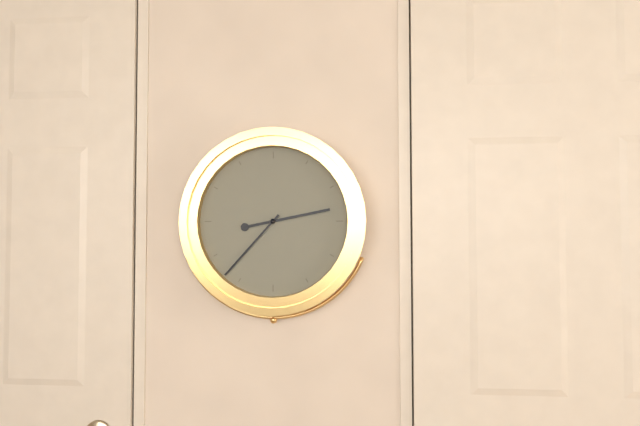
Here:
2,37
